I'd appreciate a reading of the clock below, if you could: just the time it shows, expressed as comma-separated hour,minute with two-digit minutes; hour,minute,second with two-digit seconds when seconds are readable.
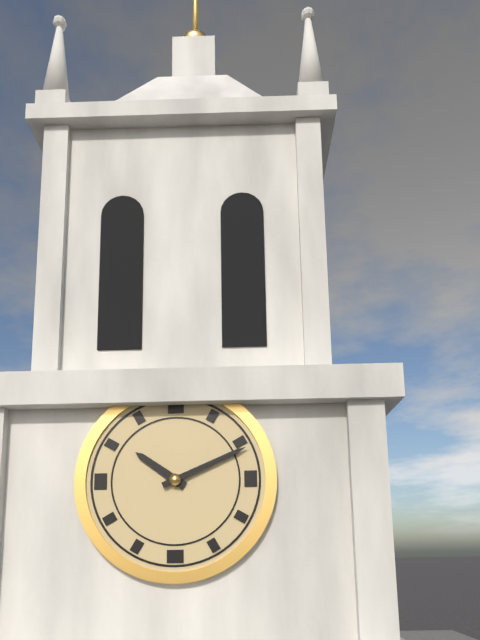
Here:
10,11
